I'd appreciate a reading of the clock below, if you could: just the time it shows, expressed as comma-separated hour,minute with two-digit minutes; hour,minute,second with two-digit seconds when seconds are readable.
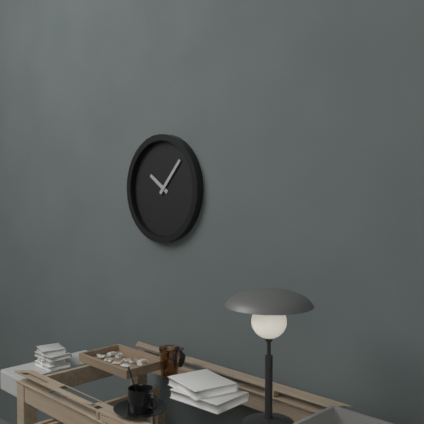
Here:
10,07
